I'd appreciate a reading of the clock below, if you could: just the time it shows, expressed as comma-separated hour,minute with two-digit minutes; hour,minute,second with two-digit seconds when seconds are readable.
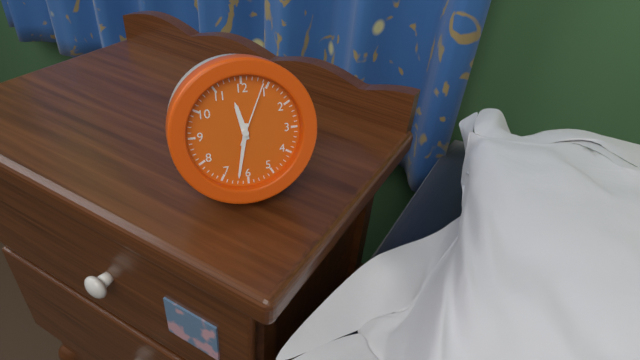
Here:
11,32,04
